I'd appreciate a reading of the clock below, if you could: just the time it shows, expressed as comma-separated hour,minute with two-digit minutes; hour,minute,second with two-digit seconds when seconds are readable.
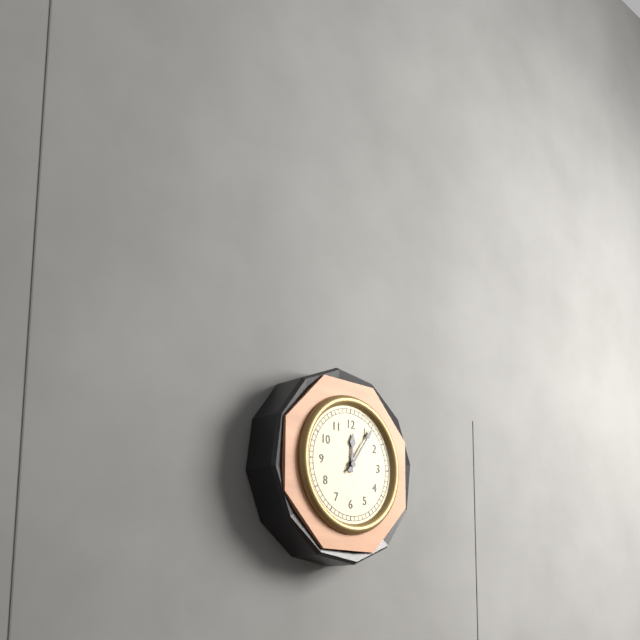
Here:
12,06
